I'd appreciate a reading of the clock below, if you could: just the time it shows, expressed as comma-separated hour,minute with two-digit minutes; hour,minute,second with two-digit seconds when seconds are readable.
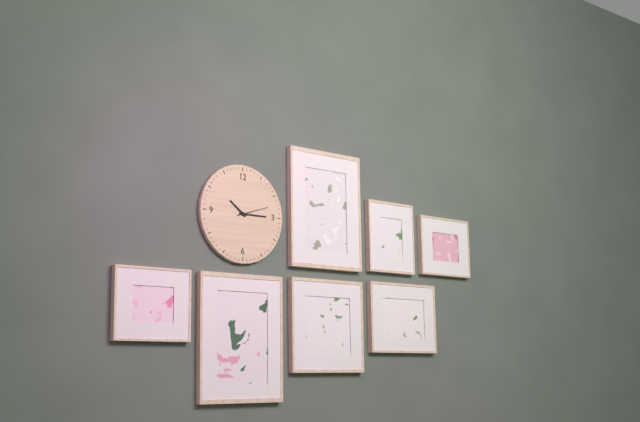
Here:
10,15
